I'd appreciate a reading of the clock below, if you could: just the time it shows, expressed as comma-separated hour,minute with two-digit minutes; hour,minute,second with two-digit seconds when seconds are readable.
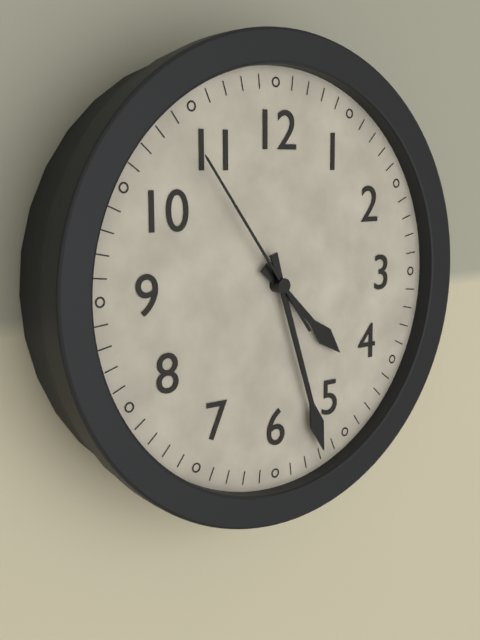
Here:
4,27,54
